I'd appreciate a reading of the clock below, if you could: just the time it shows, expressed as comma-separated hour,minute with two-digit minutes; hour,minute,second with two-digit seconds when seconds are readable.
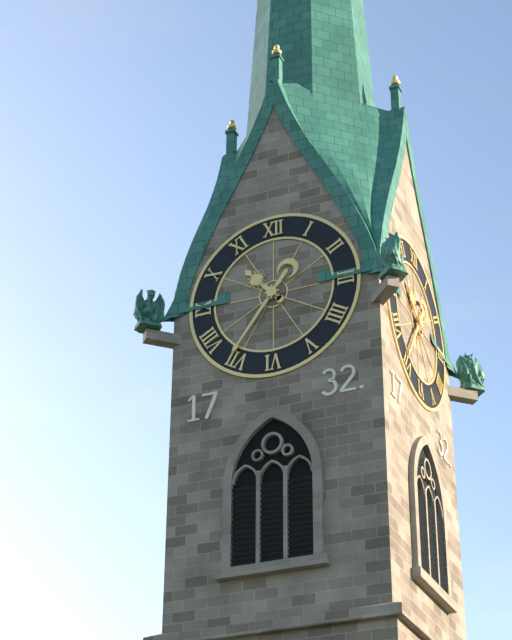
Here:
10,36
